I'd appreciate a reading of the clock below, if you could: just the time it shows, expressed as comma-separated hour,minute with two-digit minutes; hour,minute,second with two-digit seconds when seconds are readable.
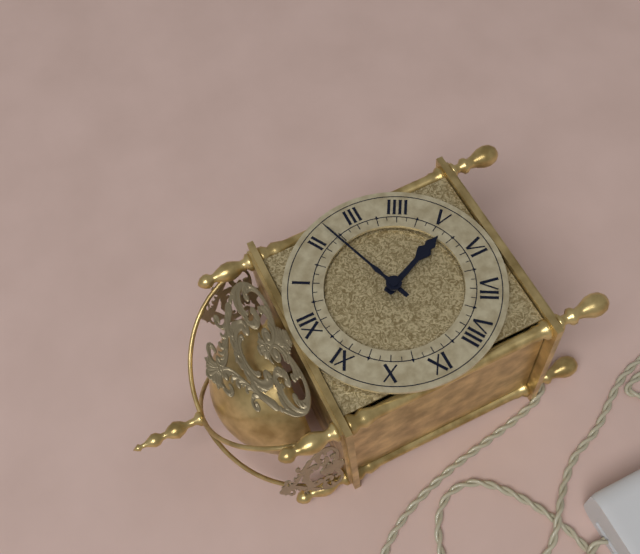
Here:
5,12
